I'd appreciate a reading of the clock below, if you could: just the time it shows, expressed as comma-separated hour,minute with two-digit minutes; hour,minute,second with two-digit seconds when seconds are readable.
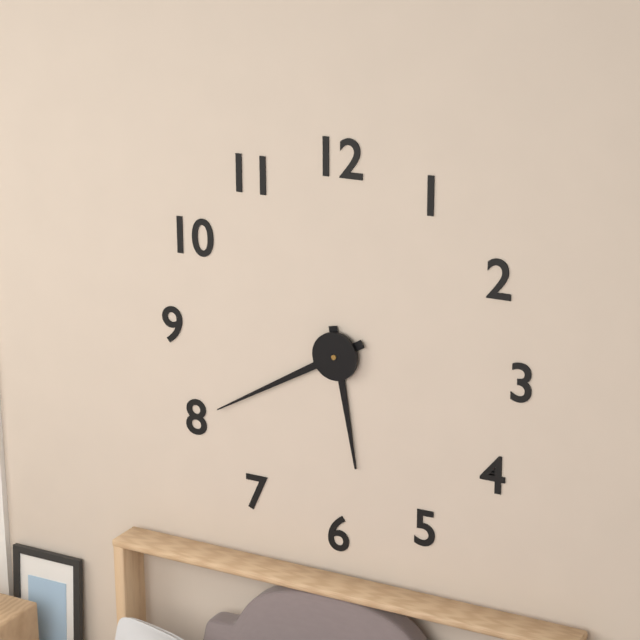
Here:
5,40
